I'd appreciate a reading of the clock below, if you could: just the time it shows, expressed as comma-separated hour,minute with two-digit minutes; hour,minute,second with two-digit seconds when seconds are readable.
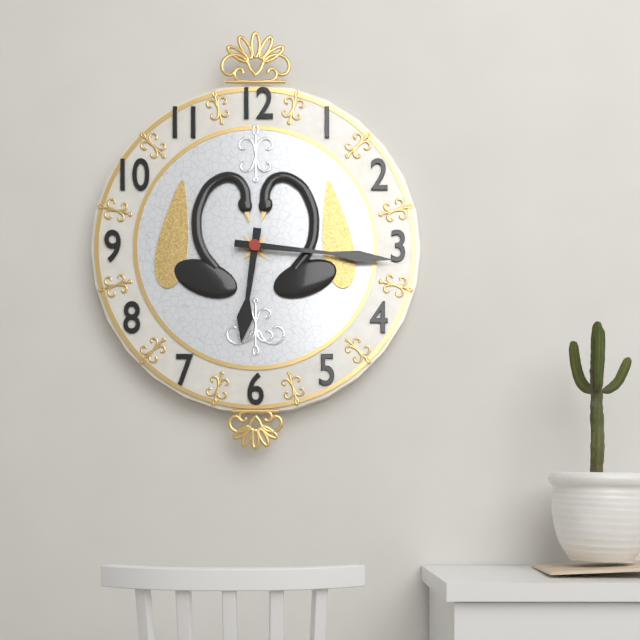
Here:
6,16
